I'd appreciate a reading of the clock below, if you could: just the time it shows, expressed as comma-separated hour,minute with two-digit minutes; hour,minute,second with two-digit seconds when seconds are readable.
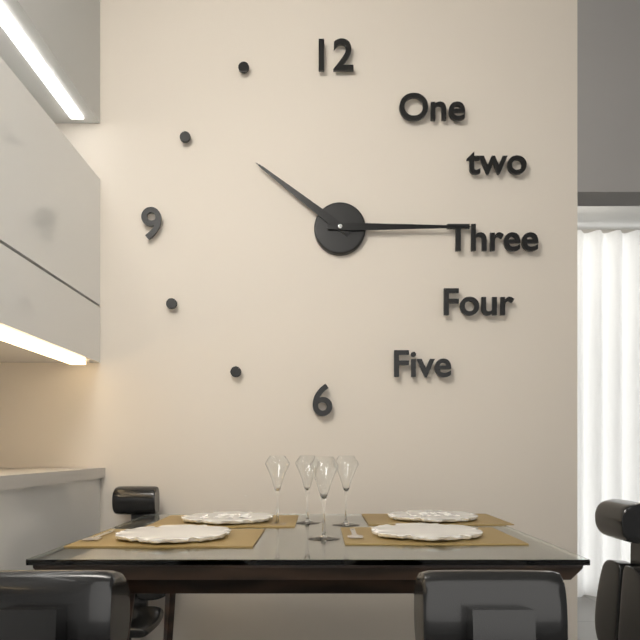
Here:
10,15
